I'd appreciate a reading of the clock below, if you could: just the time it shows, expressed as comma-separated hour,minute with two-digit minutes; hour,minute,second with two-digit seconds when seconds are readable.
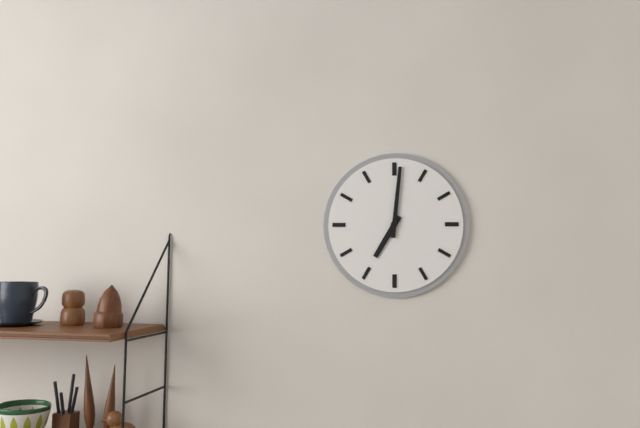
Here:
7,01
